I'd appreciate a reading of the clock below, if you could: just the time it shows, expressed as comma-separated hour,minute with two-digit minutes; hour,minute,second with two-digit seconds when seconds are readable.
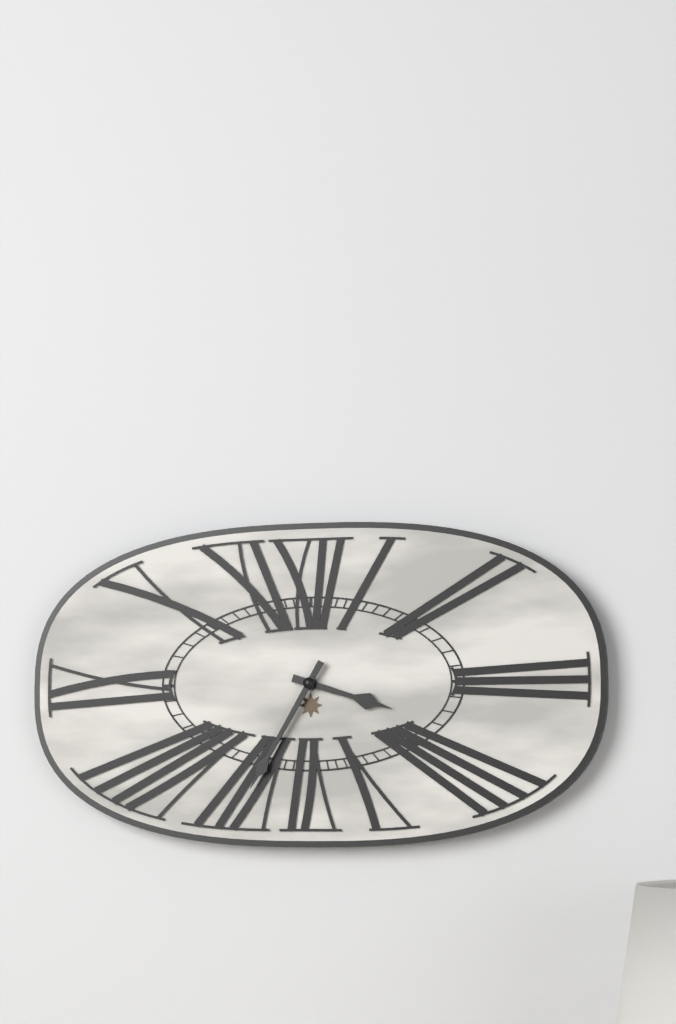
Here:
3,35
